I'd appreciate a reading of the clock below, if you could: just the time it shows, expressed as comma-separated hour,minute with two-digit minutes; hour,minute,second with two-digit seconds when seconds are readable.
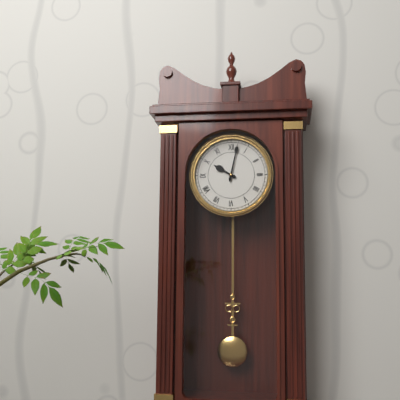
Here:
10,02
